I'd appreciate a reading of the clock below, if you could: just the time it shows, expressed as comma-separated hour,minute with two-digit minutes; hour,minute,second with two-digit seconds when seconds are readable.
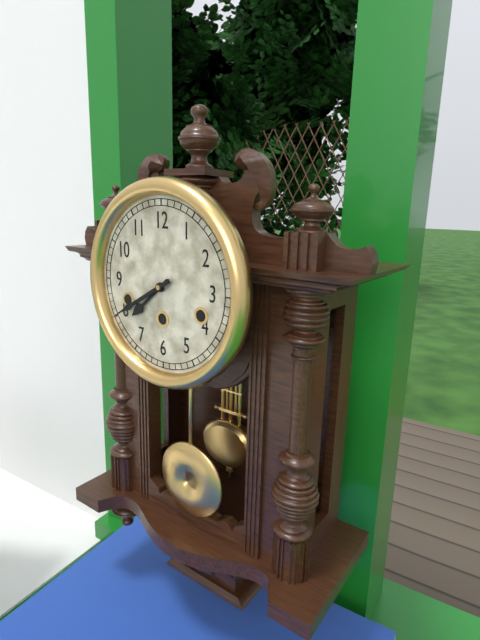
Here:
7,40
